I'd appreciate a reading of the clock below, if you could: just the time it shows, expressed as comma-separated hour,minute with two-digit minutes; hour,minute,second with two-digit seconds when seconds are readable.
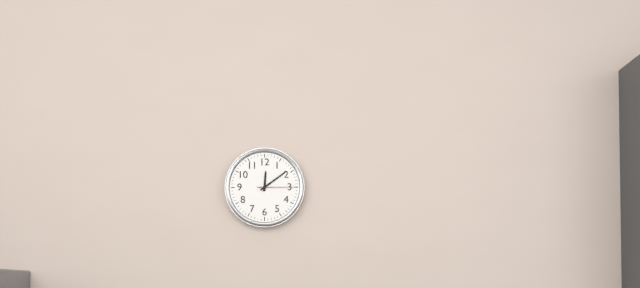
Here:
12,09
